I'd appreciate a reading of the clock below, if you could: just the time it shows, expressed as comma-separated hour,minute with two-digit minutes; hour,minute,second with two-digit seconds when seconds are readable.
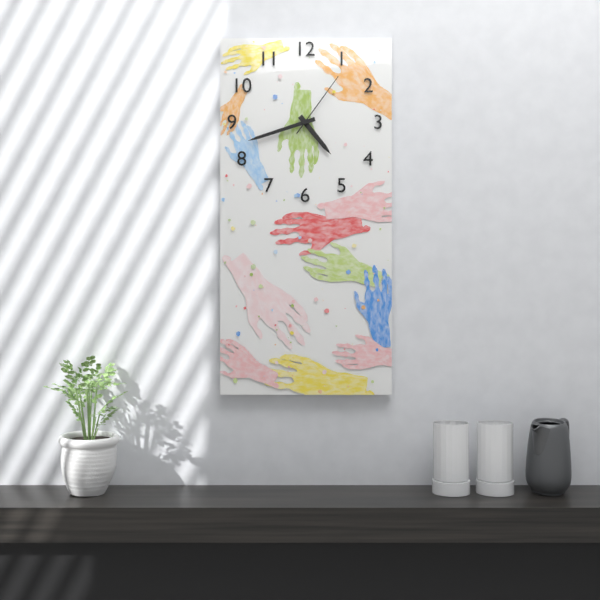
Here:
4,42,06
